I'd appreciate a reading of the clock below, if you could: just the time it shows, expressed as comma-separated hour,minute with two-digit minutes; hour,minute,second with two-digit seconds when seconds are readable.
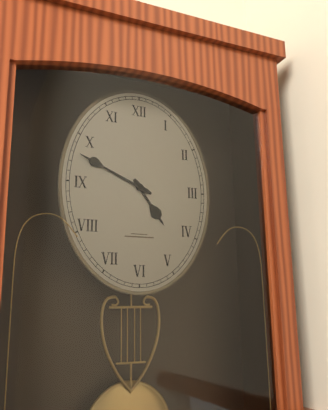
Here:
4,49
